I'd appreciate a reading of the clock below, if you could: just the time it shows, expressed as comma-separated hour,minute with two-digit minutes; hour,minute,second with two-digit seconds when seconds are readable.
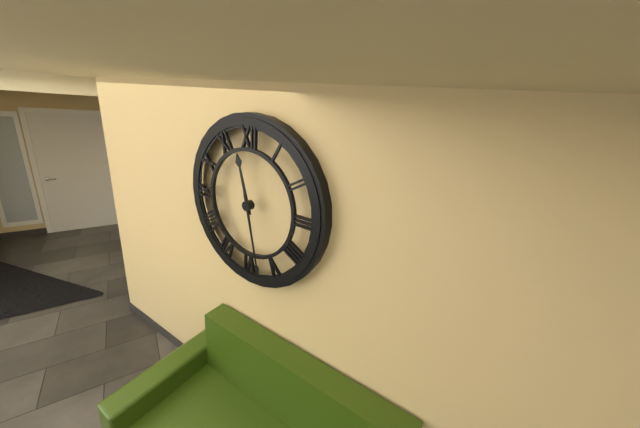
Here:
11,28
